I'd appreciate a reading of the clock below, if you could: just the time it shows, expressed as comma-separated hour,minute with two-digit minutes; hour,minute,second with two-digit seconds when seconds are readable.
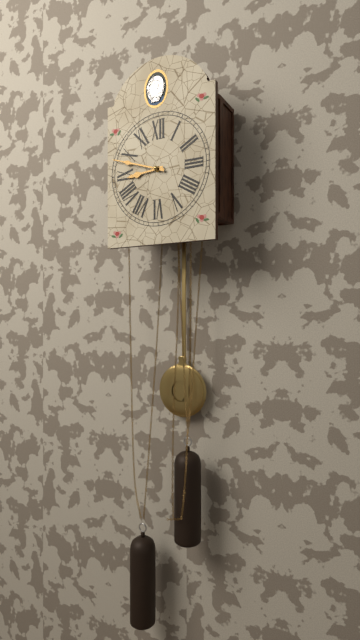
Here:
8,48
